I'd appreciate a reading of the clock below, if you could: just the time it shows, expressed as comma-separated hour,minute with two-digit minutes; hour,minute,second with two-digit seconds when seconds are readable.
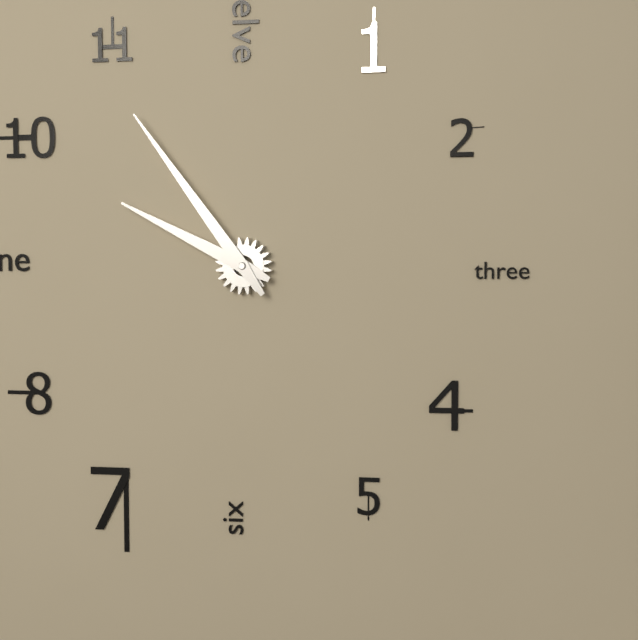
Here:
9,54
